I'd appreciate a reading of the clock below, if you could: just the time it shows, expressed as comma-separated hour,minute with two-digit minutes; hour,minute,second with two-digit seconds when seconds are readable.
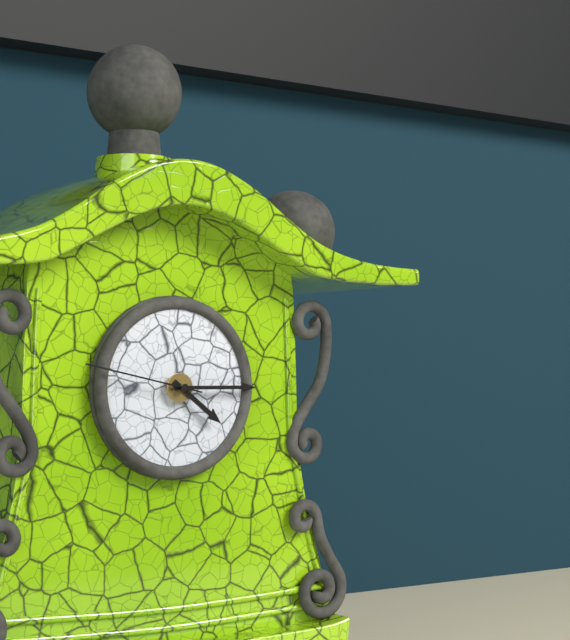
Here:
4,15,47
